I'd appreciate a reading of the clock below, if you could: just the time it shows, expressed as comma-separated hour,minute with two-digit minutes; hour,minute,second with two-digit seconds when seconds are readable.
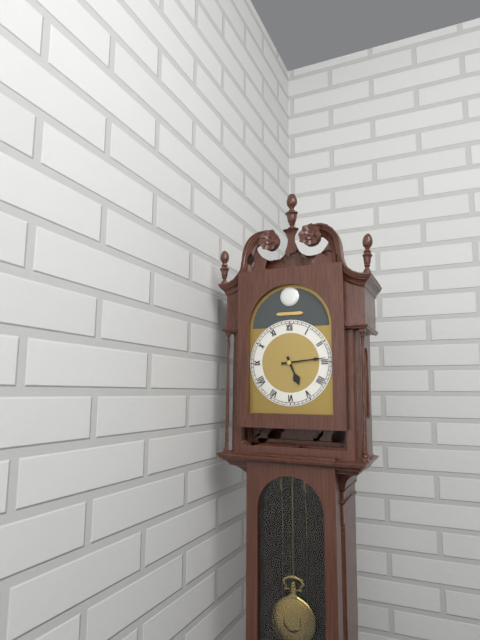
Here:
5,14
